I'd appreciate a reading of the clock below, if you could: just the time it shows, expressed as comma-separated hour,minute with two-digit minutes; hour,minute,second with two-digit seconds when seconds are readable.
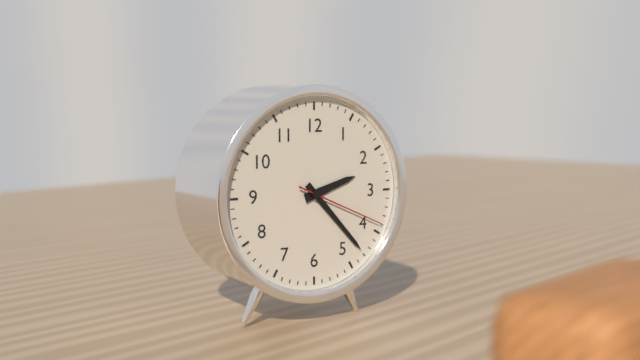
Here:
2,23,19
